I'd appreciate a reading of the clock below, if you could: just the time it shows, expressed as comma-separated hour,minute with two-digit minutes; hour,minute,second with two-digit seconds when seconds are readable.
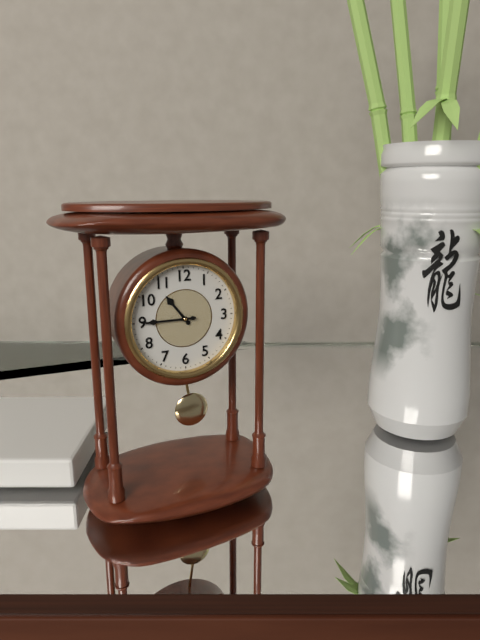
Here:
10,45
